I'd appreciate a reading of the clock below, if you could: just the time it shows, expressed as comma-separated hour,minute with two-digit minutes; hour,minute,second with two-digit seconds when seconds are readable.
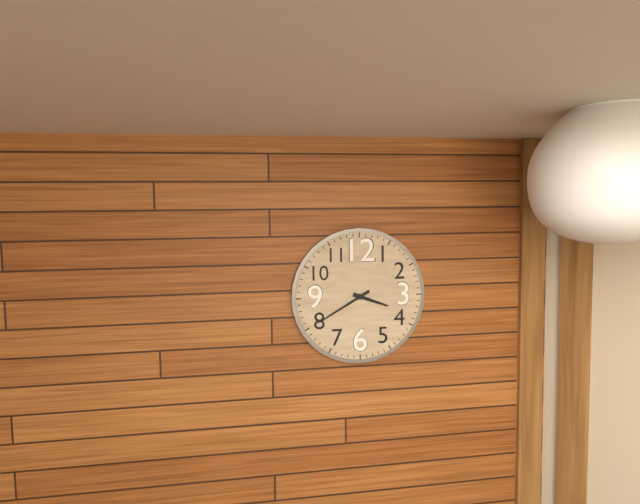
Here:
3,40
